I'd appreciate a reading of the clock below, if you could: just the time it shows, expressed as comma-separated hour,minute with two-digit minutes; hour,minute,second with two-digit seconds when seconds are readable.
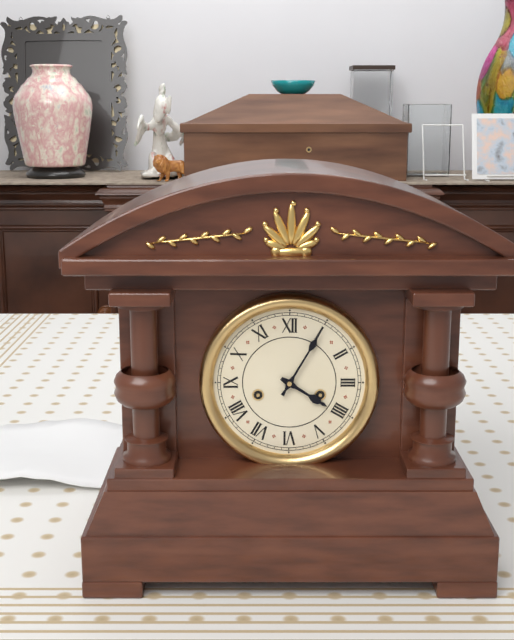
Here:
4,05
